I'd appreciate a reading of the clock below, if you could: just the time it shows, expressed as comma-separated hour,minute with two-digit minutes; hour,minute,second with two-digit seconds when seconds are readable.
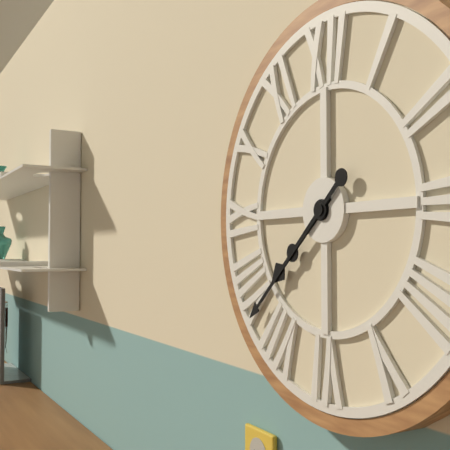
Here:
7,38
